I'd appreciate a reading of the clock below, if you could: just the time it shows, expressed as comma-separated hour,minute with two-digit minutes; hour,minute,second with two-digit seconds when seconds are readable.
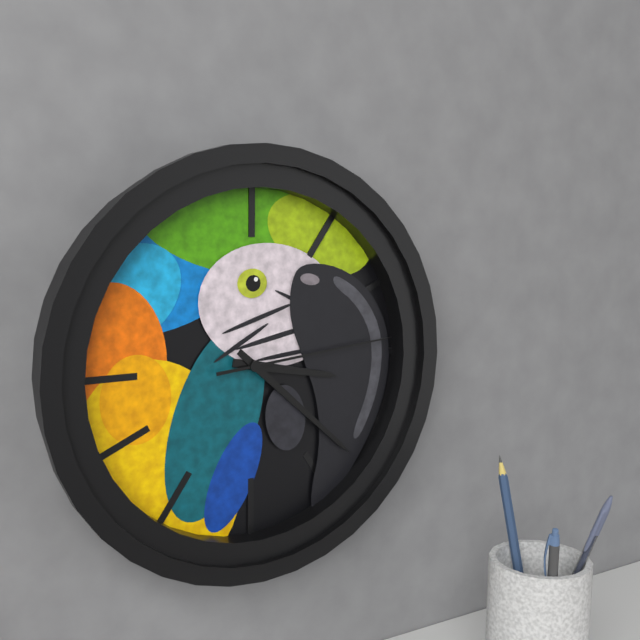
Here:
3,22,14
